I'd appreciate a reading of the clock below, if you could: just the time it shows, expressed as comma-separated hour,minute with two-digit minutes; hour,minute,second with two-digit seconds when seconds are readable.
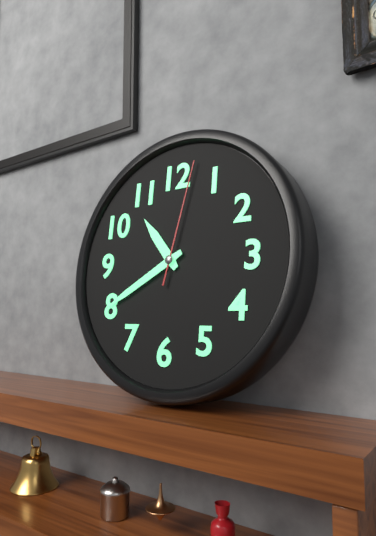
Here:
10,40,02
